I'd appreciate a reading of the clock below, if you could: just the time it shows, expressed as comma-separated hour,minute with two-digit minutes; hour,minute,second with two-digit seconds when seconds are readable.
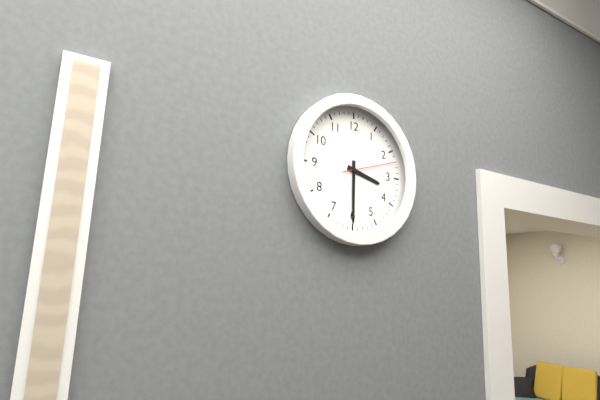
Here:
3,30
